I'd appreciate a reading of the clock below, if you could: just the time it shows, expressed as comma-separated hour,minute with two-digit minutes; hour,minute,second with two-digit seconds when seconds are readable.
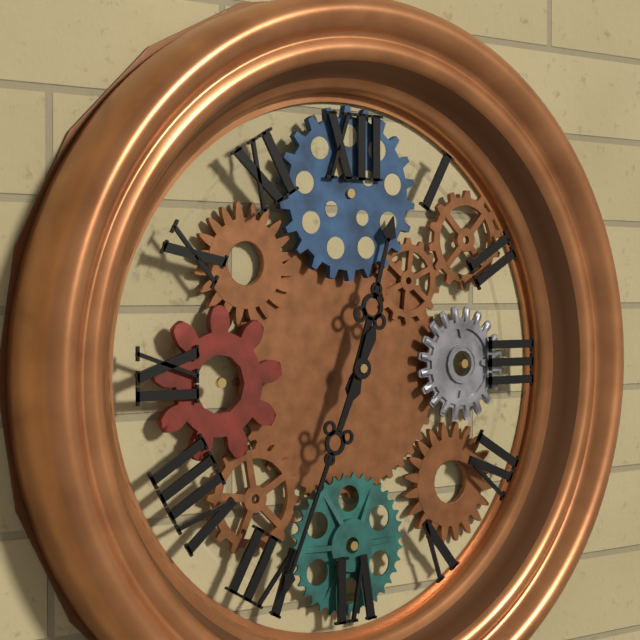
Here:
12,34
